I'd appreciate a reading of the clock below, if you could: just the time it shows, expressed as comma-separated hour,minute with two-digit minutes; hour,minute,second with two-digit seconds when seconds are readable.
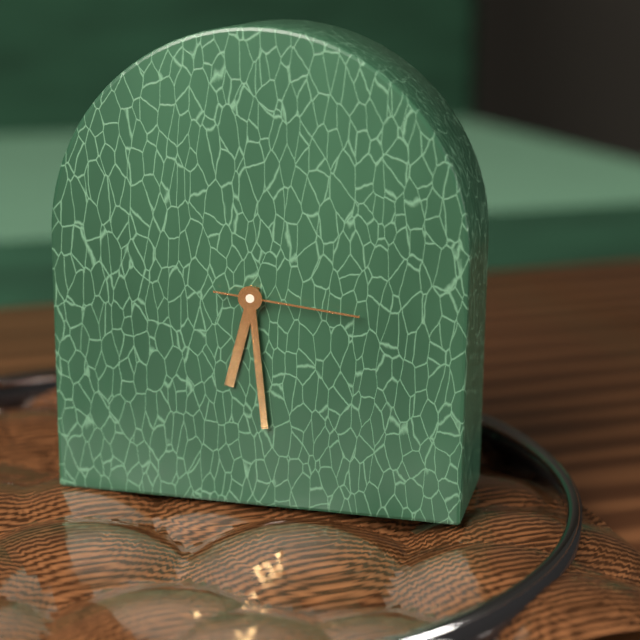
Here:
6,29,16
